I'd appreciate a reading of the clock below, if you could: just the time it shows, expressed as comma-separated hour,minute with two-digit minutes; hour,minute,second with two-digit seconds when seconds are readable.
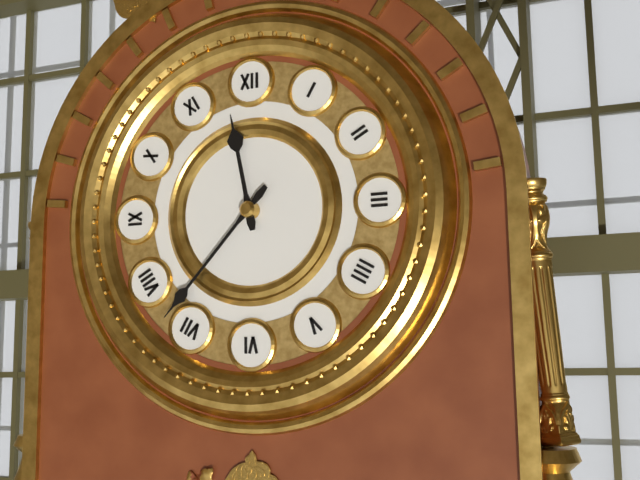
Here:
11,37
